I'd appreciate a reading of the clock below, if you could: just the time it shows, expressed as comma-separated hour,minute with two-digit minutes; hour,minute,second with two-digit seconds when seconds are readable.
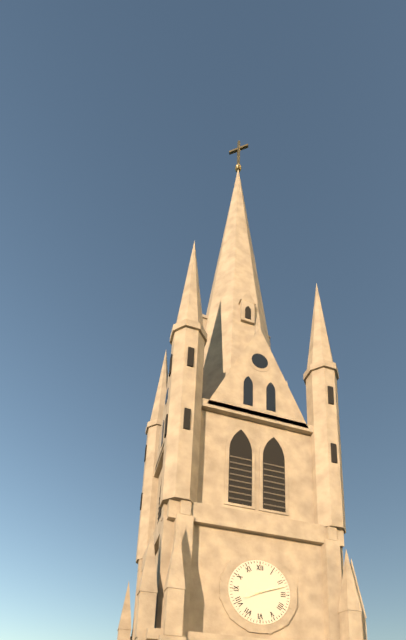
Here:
8,12
